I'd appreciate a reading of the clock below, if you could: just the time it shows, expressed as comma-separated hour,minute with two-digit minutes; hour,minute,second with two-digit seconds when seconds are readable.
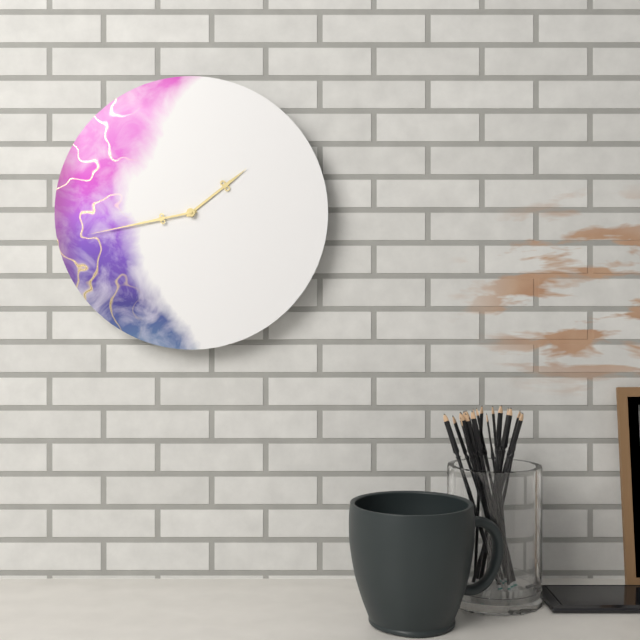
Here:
1,43
